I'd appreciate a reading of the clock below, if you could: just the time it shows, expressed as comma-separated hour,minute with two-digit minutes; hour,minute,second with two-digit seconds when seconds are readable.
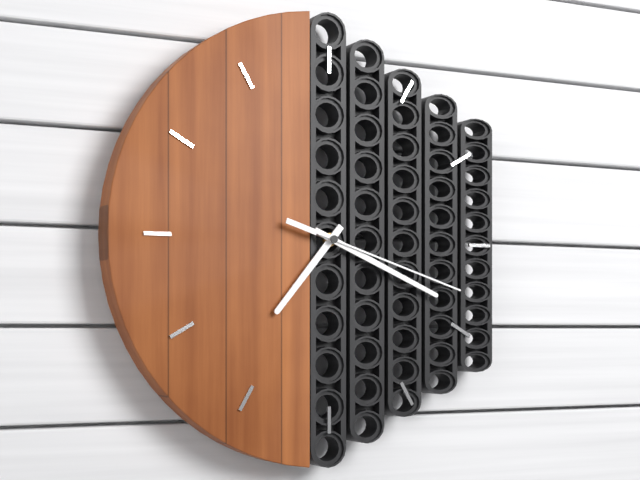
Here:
7,19,18
